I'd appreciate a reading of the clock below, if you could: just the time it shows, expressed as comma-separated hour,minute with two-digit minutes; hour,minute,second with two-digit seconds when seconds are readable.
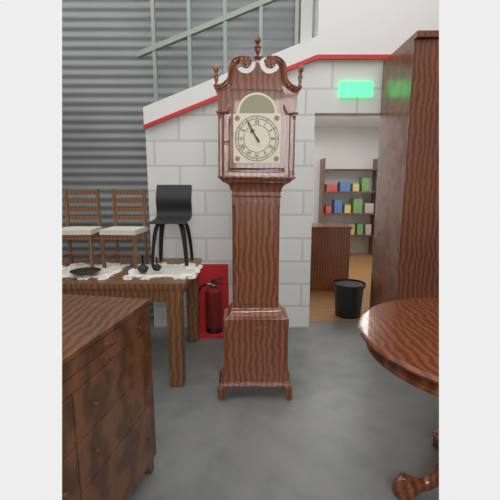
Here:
10,55
